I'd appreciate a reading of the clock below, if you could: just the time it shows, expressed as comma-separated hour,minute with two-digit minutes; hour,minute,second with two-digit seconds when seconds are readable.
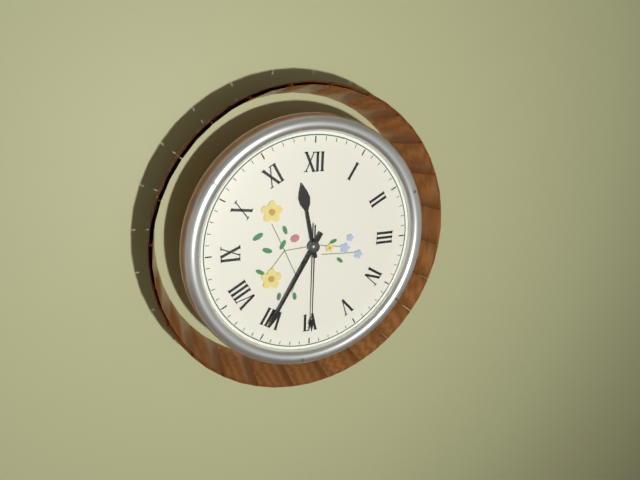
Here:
11,35,30
